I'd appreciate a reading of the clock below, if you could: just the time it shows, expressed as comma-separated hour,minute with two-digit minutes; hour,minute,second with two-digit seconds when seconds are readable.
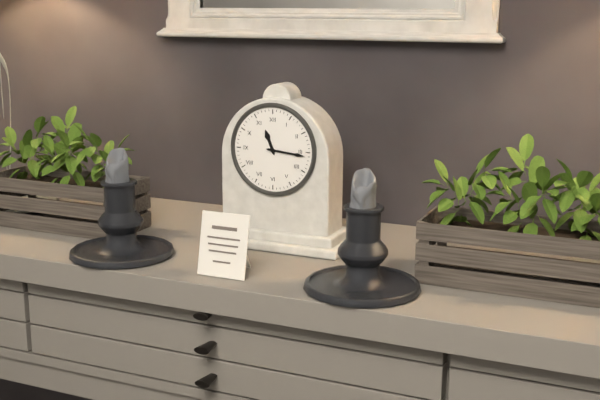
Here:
11,16
